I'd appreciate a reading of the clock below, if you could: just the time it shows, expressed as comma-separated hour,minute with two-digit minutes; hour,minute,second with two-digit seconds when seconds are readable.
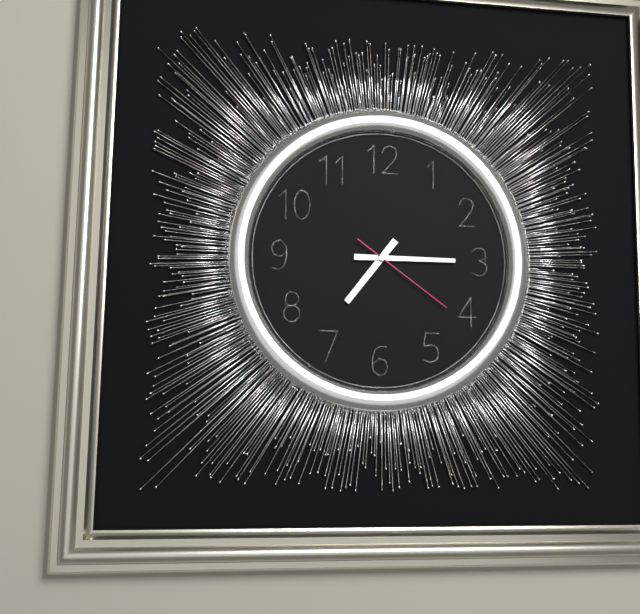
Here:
7,15,21
